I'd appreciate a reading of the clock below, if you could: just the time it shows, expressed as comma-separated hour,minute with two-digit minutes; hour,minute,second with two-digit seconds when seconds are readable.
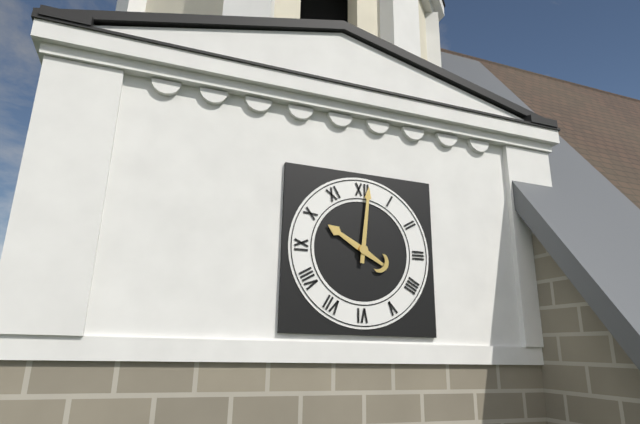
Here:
10,01
